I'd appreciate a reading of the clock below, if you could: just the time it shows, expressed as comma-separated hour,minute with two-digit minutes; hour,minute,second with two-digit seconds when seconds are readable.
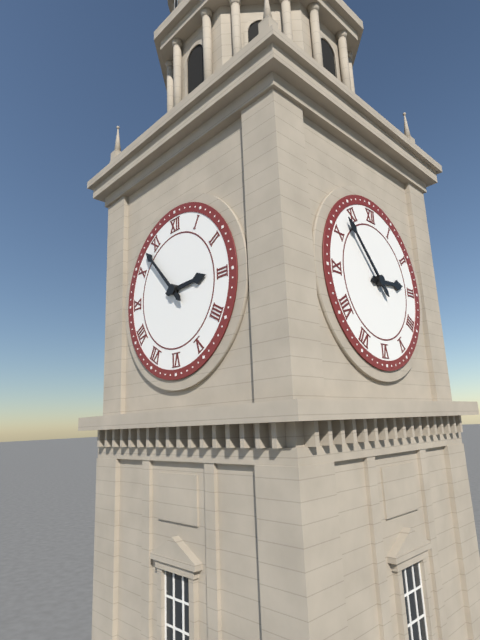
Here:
2,53
